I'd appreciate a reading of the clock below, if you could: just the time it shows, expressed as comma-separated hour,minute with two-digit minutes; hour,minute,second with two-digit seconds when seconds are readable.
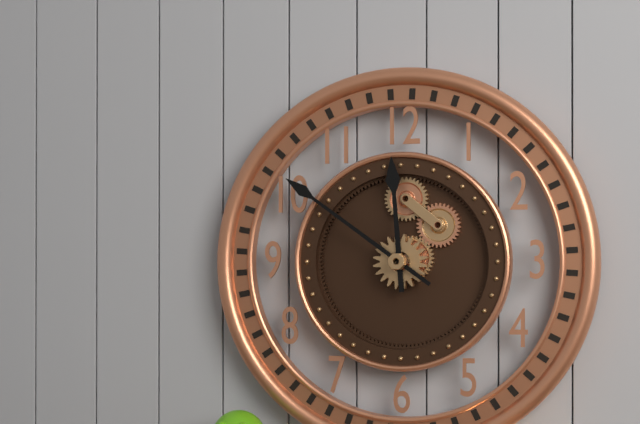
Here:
11,51
